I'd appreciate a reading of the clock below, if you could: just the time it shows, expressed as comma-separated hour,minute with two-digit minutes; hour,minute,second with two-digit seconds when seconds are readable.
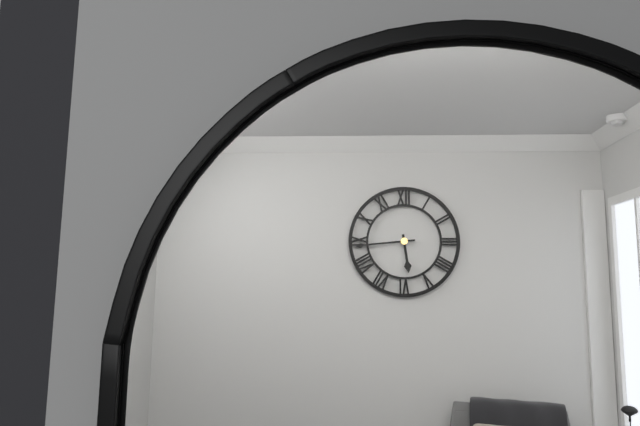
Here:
5,44
